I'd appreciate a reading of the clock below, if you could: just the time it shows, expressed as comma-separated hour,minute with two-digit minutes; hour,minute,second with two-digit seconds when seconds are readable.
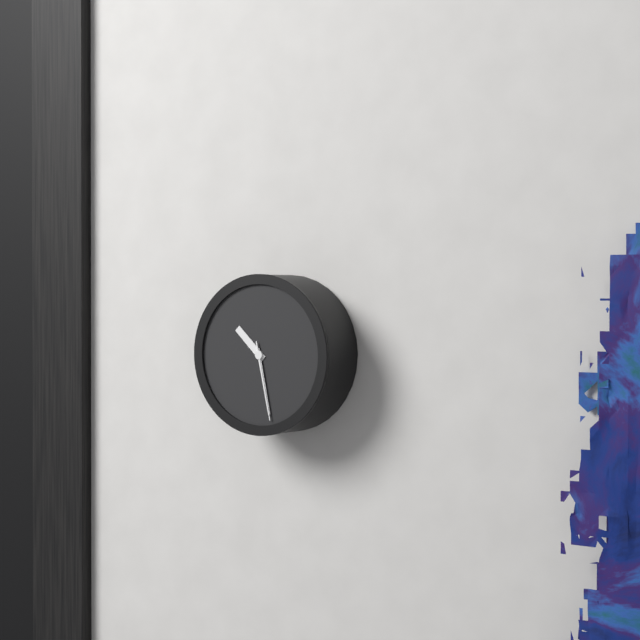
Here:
10,28,28
